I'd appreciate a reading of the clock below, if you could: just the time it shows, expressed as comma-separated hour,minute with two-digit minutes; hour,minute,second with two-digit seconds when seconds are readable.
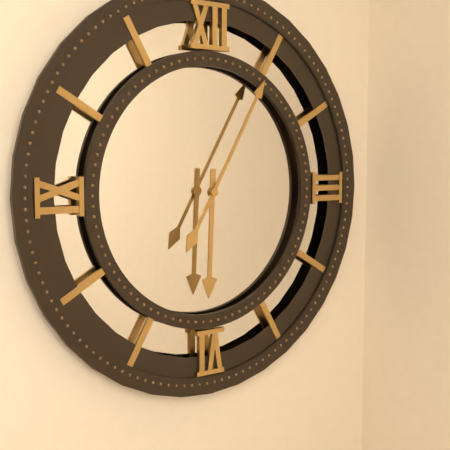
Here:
6,05
